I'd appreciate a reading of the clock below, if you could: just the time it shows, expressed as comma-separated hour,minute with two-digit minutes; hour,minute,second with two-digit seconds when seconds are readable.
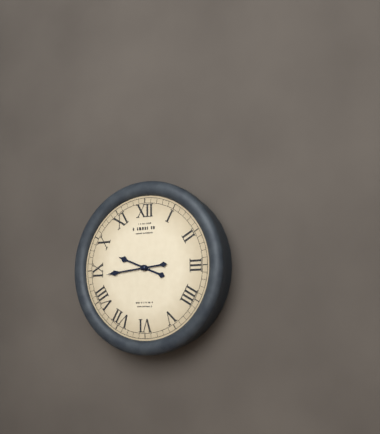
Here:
9,44
